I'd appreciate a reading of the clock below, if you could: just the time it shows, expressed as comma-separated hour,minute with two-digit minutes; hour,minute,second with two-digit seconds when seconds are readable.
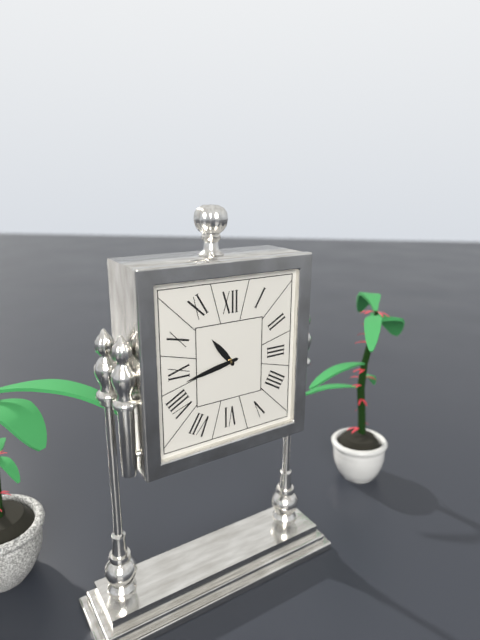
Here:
10,43
